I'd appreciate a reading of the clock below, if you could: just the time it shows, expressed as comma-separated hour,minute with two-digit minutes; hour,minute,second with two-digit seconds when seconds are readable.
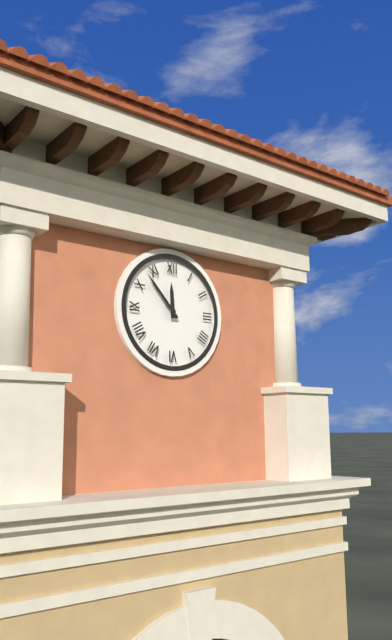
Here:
11,53
